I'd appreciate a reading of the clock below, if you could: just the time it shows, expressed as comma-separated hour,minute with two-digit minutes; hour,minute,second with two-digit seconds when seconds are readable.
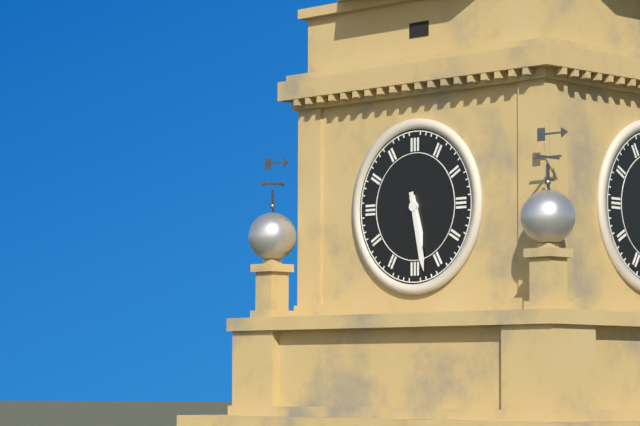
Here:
5,28
